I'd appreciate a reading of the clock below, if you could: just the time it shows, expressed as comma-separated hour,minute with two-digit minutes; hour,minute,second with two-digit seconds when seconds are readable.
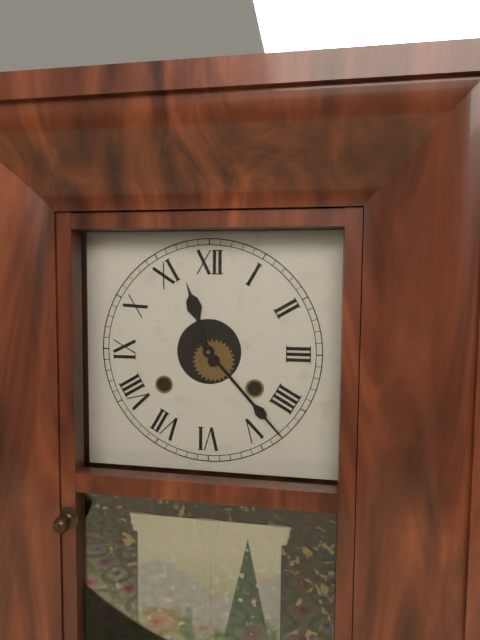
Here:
11,23
